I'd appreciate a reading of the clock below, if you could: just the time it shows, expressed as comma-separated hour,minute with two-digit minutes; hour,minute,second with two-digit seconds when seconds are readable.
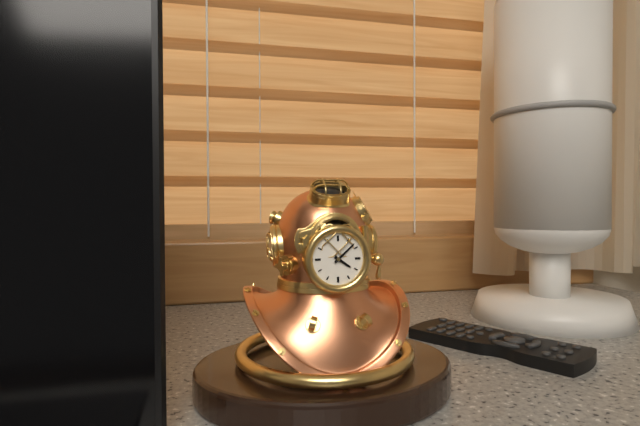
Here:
4,08
